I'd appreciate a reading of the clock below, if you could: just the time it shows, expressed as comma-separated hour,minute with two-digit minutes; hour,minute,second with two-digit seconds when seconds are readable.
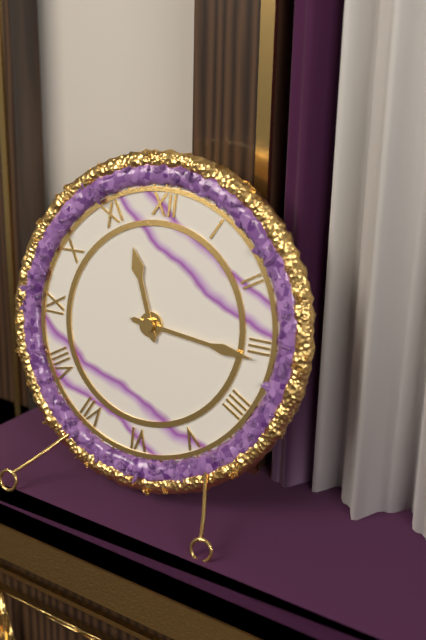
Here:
11,16
